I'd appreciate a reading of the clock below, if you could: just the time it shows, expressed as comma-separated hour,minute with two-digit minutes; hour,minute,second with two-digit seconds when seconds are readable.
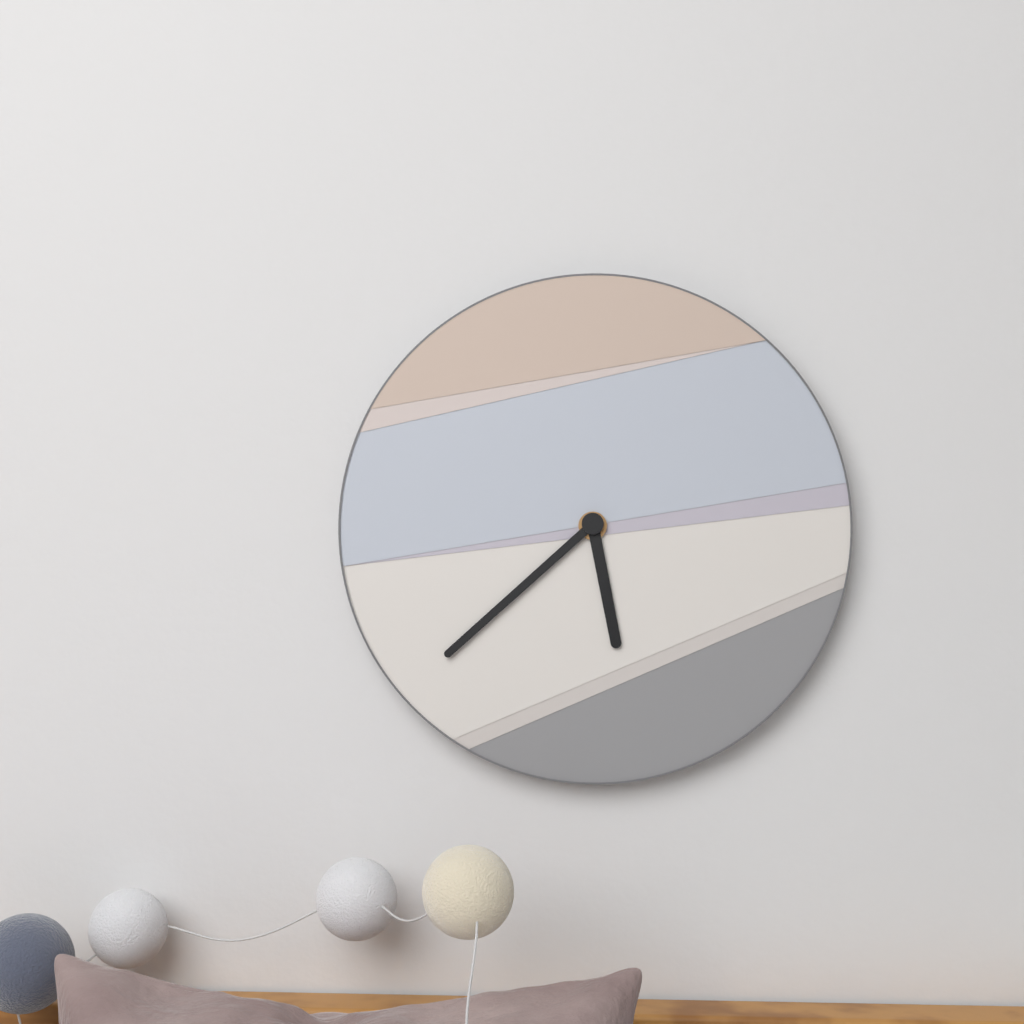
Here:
5,38
